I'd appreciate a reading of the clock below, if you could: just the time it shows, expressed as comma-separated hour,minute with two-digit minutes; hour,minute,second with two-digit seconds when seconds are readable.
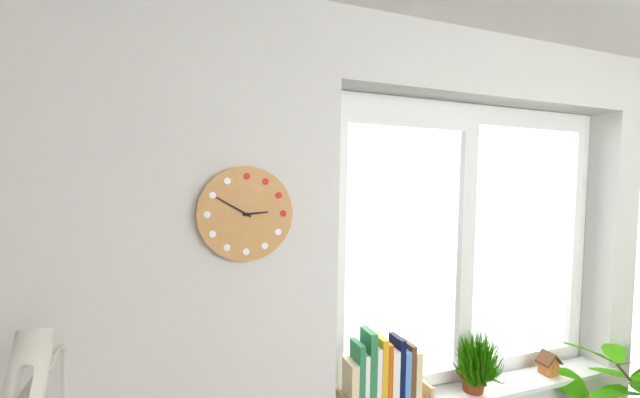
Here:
2,50
